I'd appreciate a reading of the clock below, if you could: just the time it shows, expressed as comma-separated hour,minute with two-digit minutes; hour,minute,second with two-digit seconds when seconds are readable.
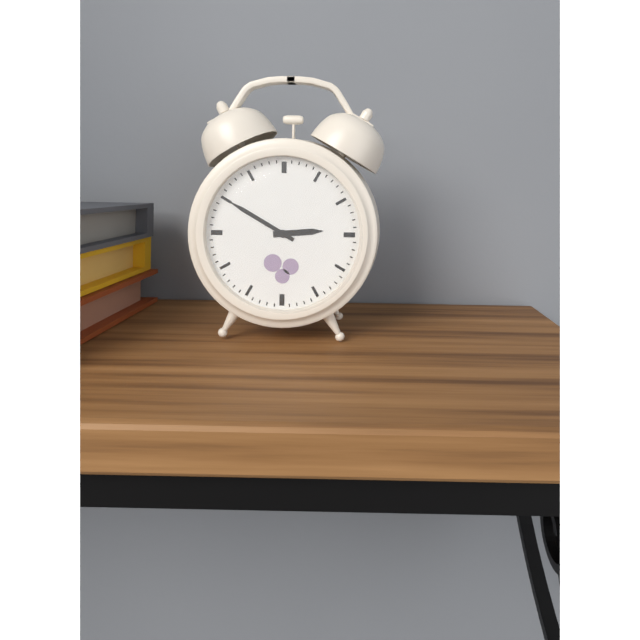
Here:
2,50
